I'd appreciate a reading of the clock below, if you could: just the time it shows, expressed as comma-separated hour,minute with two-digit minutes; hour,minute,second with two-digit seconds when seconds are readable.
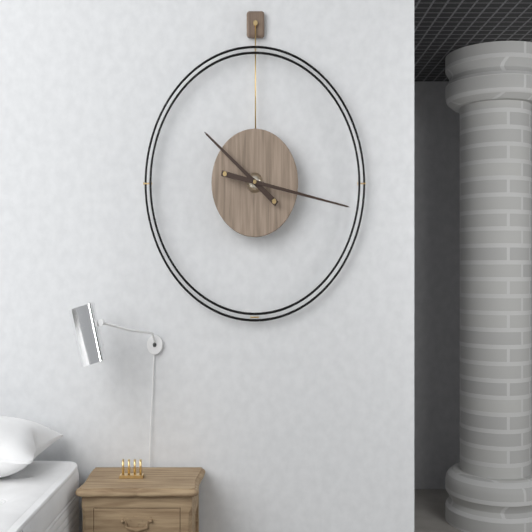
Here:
10,17
